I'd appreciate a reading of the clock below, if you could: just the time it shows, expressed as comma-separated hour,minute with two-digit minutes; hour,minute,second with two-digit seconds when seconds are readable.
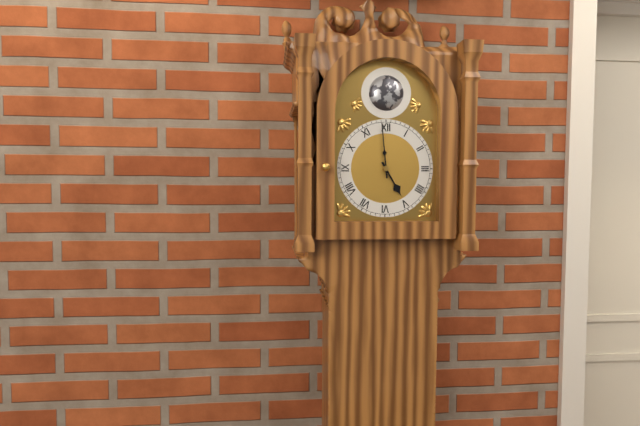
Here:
4,59
